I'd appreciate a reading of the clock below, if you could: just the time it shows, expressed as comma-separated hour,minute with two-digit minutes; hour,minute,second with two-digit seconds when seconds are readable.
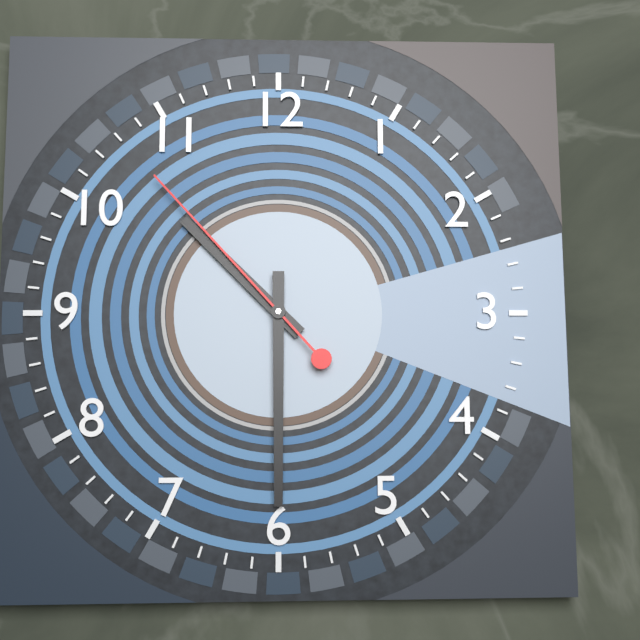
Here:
10,30,53
